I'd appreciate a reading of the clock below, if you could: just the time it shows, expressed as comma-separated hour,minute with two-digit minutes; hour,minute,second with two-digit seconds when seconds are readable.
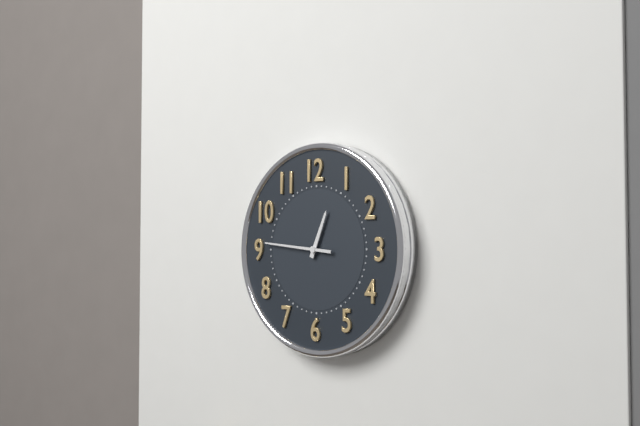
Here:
12,46
